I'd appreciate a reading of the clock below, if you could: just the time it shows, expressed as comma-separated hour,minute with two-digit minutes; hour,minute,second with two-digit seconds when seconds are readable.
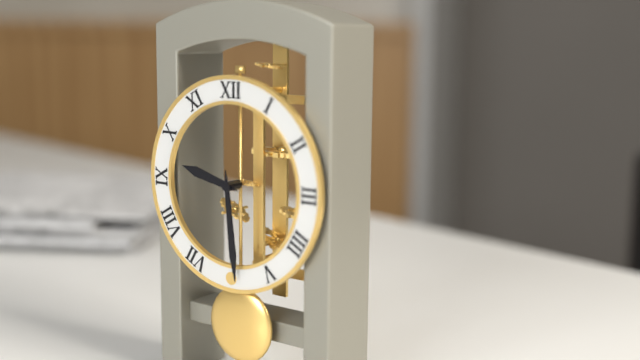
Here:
9,29
